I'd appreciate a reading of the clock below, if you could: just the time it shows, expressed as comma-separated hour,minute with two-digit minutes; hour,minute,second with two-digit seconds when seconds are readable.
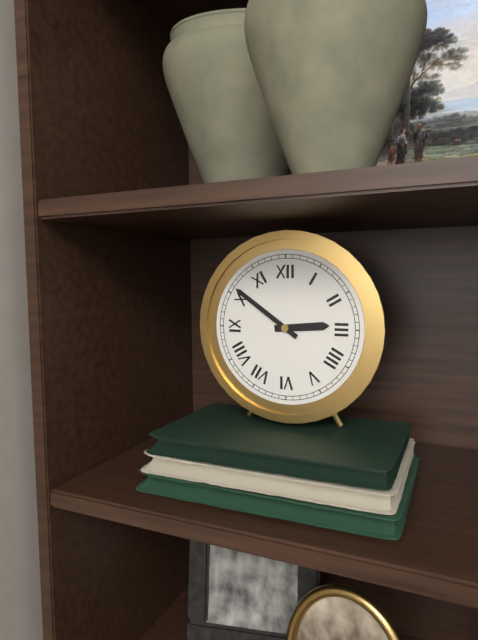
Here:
2,51
